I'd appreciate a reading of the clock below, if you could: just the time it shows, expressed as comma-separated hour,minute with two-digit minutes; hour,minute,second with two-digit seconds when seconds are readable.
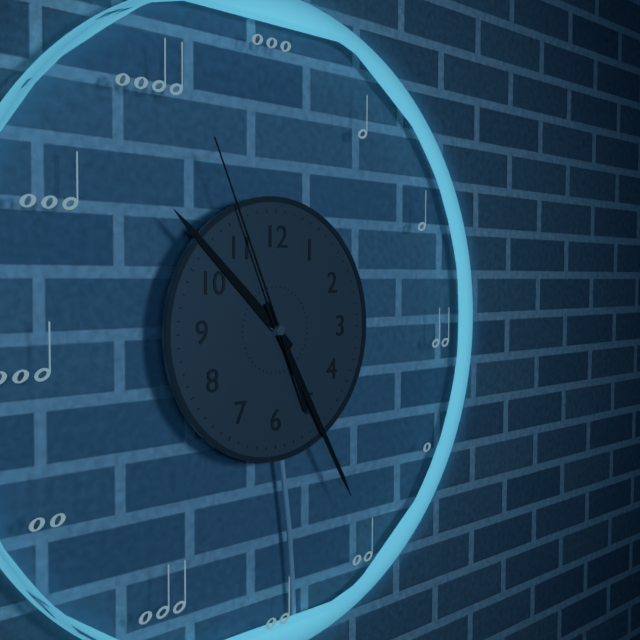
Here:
10,25,56
